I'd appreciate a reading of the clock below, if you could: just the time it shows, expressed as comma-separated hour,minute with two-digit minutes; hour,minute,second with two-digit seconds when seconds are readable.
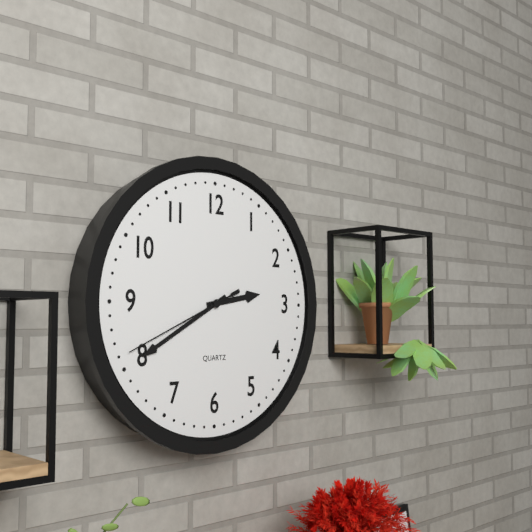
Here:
2,40,41
